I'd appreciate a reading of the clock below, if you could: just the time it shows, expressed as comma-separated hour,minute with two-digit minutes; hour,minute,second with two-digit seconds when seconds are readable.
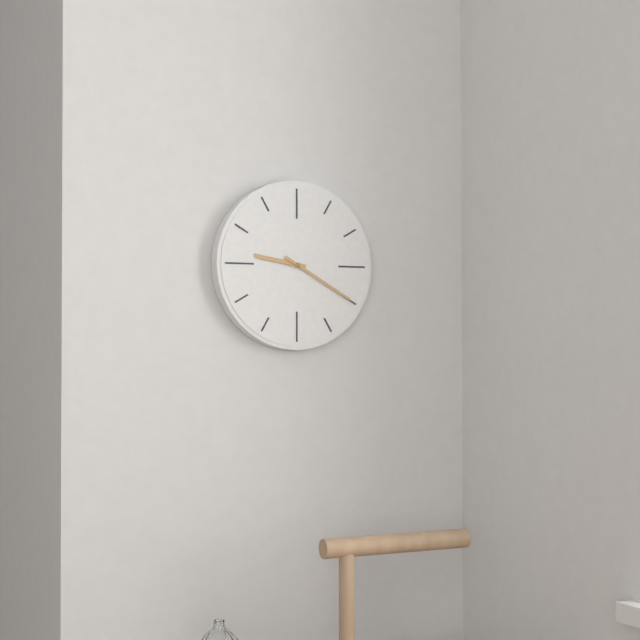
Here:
9,20
